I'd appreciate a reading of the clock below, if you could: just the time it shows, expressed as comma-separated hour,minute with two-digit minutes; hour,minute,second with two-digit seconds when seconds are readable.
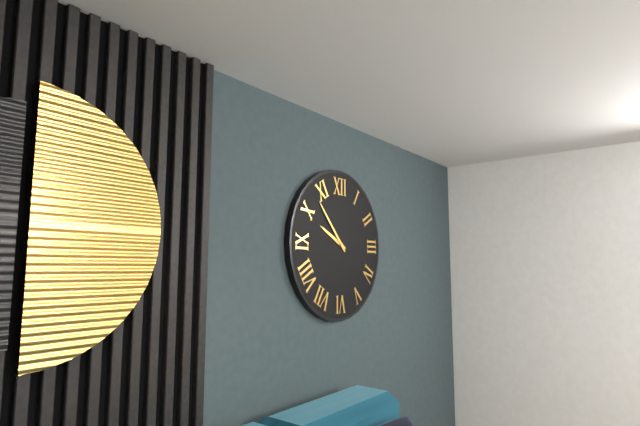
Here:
9,53
